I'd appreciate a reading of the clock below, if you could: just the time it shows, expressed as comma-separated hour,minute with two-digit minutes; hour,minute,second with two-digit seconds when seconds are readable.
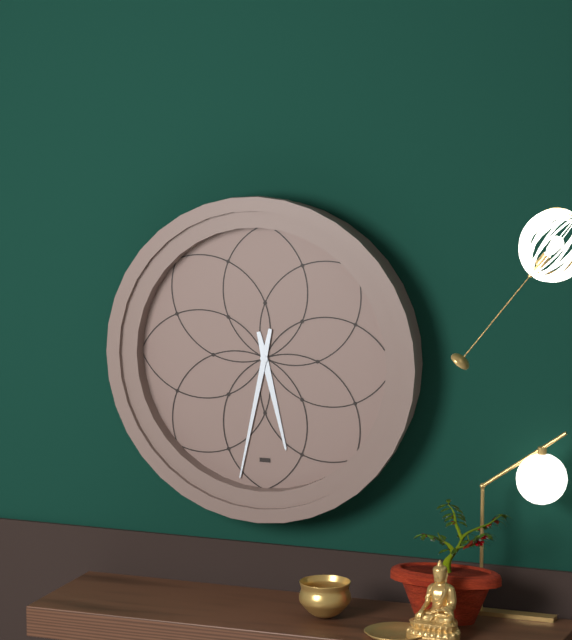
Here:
5,32
